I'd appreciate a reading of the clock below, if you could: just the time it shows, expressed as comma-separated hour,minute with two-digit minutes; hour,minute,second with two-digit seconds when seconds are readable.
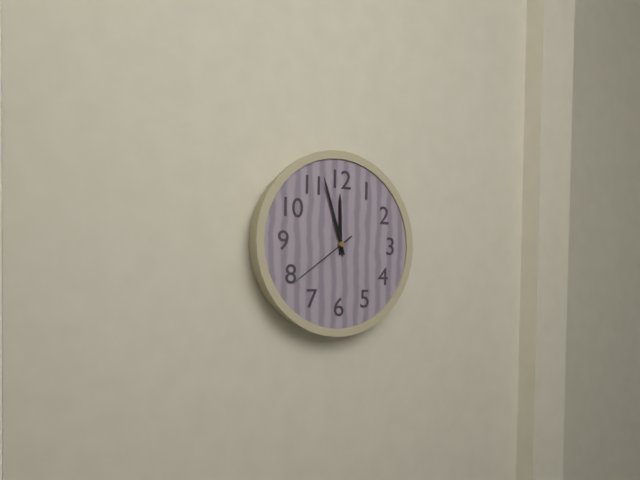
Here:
11,57,39
